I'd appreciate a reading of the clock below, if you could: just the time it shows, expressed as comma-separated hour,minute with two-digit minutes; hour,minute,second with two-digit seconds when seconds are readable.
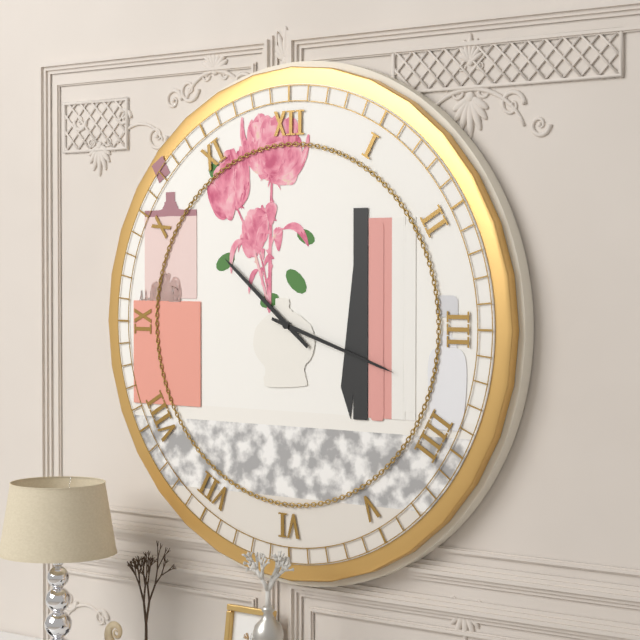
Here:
10,18
